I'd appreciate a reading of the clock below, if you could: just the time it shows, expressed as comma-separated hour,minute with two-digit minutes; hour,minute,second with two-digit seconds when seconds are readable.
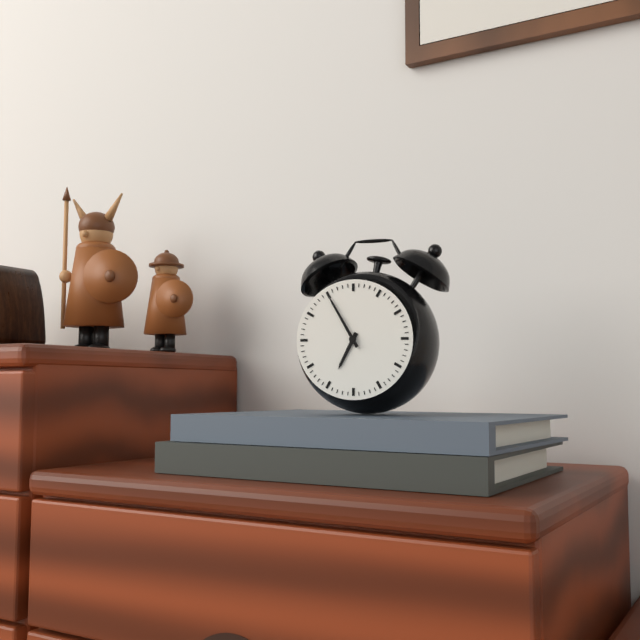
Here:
6,55
